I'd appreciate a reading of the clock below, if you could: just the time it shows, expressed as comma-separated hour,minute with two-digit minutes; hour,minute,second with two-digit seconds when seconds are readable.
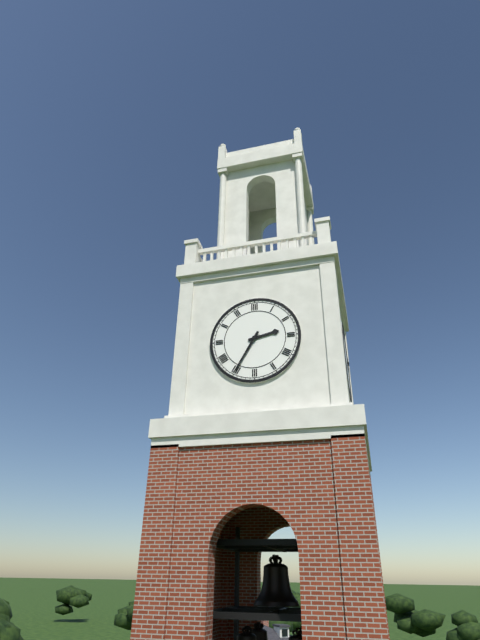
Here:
2,35
